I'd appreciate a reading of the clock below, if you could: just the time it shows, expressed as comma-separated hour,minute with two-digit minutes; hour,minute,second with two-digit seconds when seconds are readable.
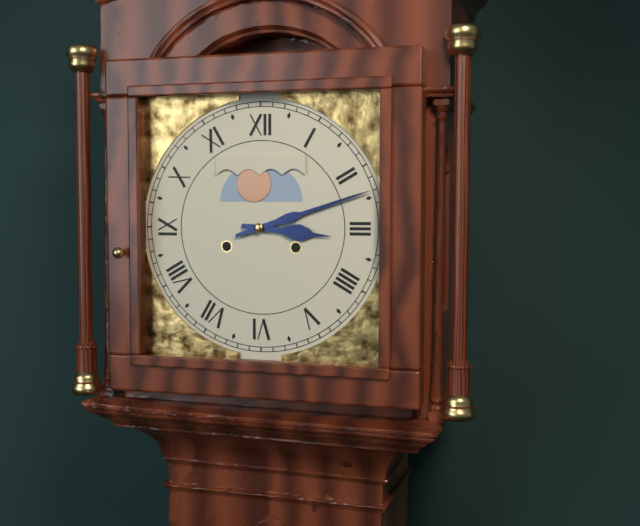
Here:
3,12
